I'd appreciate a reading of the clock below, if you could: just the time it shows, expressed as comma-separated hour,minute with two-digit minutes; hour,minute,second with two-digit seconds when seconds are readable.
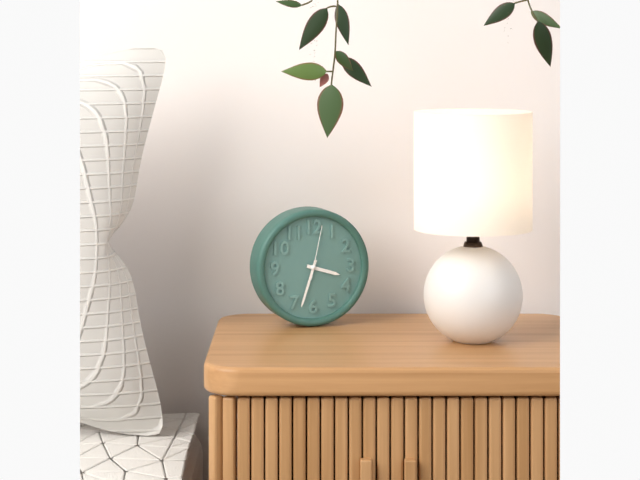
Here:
3,33,02
